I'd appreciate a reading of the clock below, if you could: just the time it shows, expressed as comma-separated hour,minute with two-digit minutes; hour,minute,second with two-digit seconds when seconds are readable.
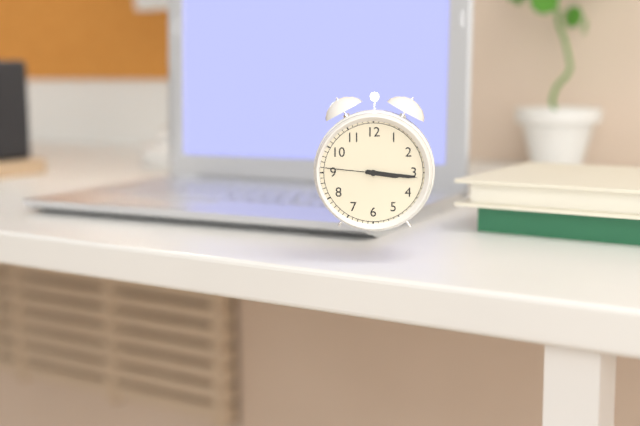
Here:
3,16,46
